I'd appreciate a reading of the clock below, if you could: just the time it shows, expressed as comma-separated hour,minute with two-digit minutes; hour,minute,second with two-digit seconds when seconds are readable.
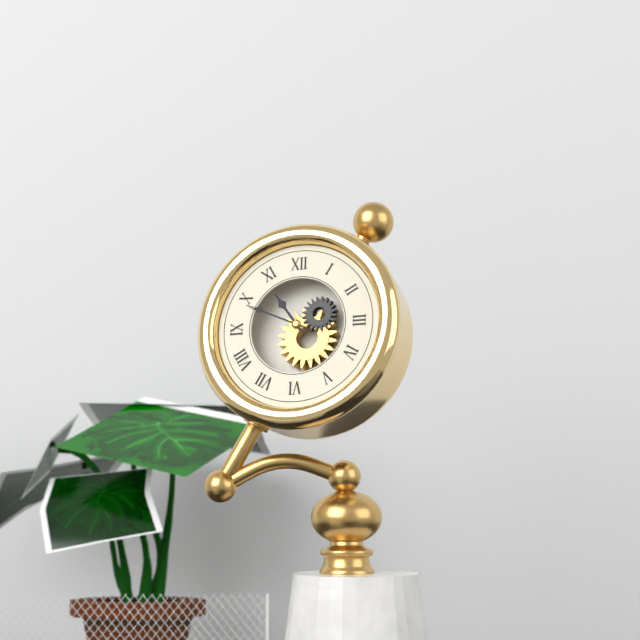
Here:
10,49
